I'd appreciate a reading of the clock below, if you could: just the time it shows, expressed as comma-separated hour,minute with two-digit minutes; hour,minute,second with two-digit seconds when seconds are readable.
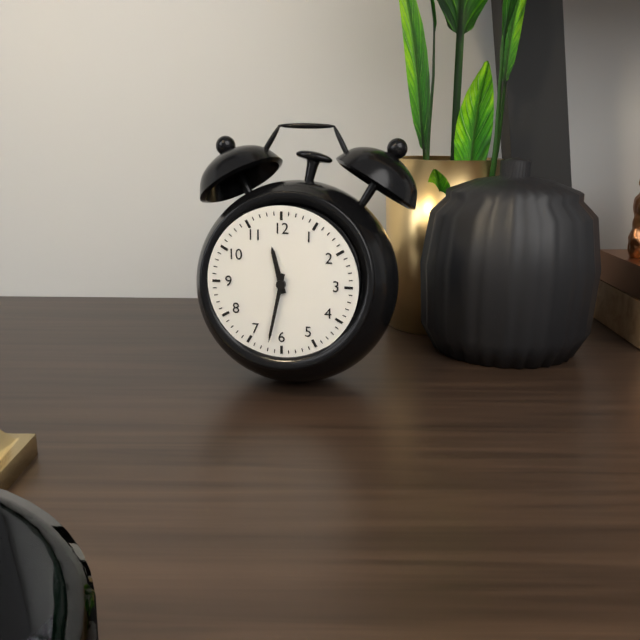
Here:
11,32
